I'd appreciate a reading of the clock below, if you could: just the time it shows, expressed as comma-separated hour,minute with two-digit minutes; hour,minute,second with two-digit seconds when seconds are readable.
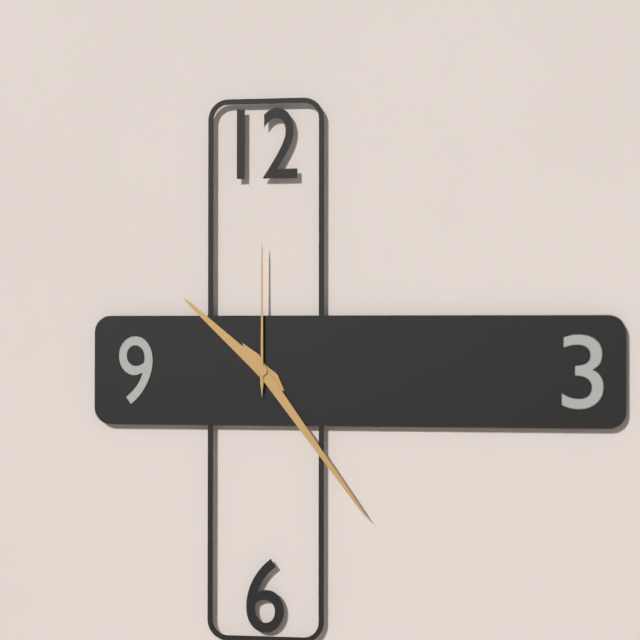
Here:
10,24,00
